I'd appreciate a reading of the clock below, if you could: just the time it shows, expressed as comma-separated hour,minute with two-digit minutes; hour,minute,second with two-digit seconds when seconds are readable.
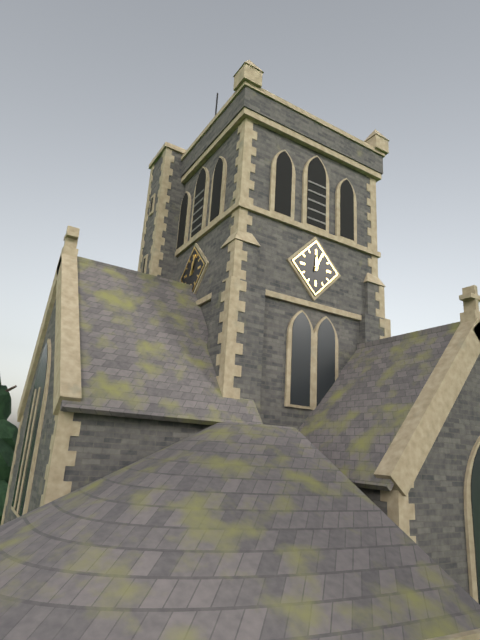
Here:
12,04
